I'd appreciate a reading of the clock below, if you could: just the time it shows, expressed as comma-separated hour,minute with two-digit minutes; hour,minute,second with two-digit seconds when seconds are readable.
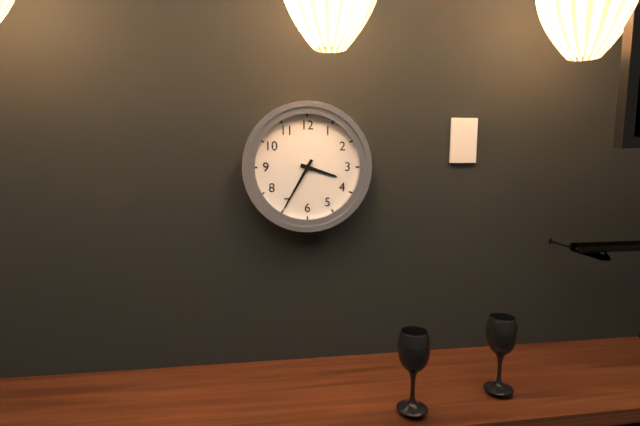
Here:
3,35
